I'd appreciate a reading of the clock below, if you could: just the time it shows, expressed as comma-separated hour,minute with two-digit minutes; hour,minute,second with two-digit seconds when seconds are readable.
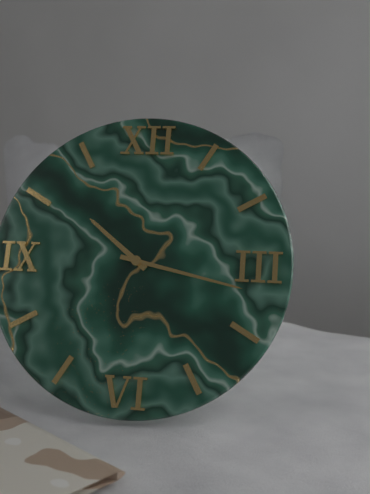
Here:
10,17
